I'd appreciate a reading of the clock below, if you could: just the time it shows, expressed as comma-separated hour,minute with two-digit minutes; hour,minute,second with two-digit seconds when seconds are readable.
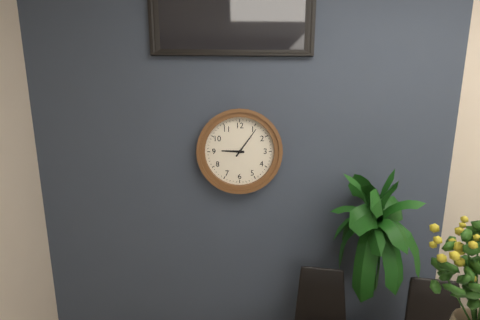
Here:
9,06
